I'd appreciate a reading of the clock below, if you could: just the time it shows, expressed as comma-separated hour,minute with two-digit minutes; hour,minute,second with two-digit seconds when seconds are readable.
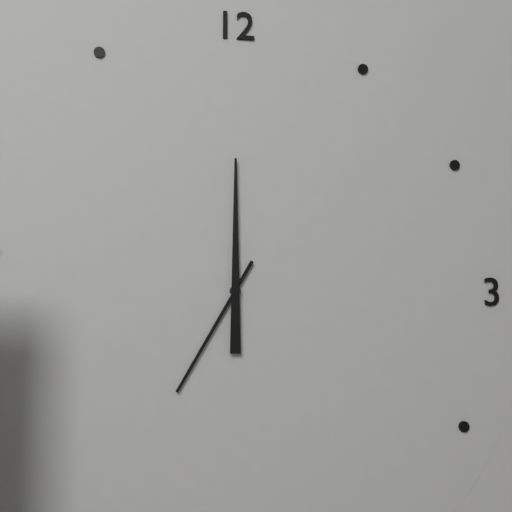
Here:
7,00
